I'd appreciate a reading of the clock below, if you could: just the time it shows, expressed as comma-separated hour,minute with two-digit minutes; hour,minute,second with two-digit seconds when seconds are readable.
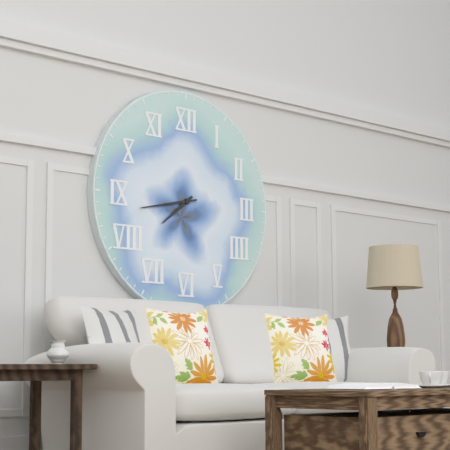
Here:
7,43
